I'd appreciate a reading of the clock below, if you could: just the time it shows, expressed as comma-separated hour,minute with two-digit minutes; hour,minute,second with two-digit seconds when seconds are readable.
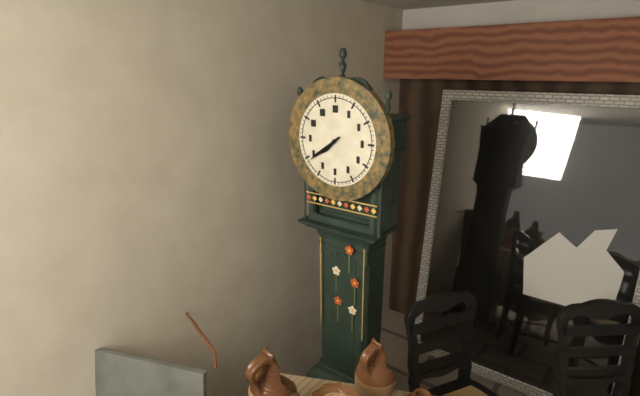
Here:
7,39
